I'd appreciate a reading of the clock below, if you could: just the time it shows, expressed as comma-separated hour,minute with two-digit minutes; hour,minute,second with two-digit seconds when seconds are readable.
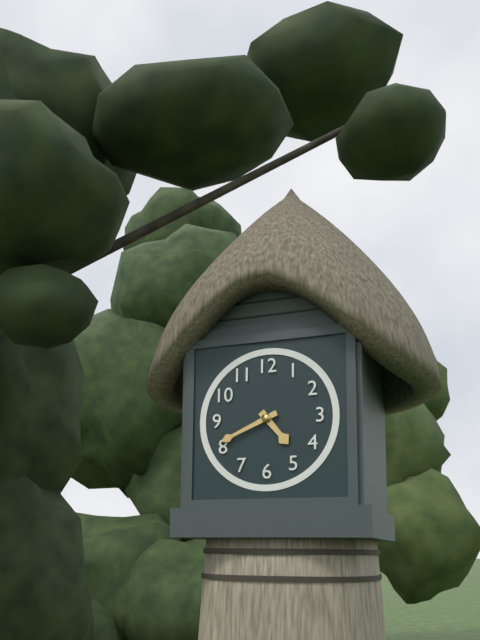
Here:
4,41
